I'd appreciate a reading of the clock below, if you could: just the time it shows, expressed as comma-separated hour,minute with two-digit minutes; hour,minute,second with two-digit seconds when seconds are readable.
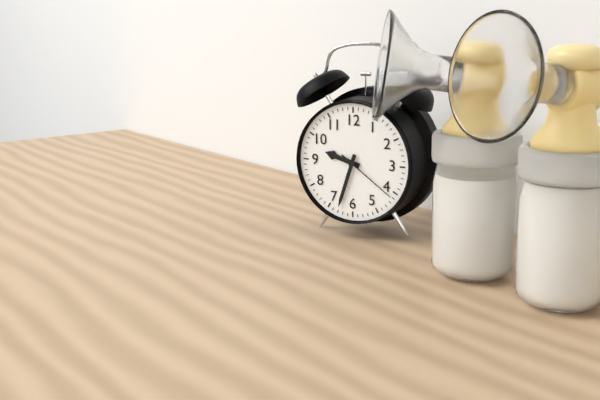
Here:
9,33,21
